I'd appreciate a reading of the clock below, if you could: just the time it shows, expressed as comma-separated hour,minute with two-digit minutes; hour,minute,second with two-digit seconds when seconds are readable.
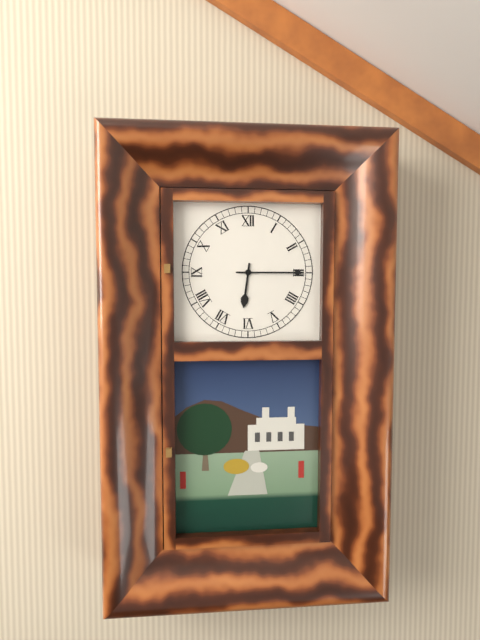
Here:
6,15
